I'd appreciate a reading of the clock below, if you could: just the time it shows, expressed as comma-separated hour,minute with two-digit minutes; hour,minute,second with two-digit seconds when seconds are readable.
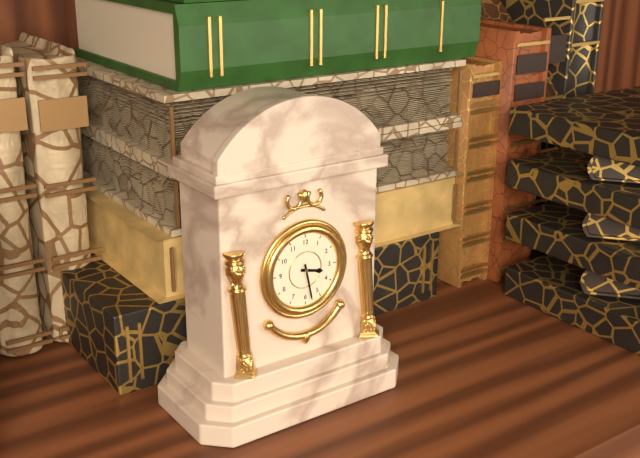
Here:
3,28
